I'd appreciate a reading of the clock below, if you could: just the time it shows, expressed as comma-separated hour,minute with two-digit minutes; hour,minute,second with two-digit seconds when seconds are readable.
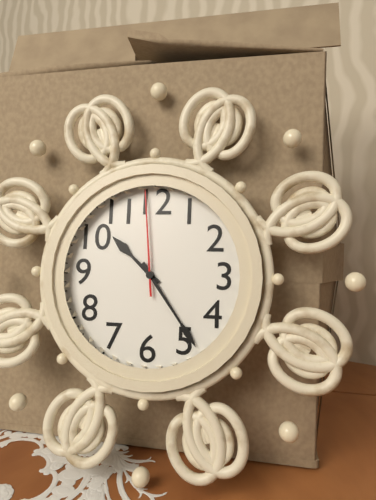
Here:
10,24,59
